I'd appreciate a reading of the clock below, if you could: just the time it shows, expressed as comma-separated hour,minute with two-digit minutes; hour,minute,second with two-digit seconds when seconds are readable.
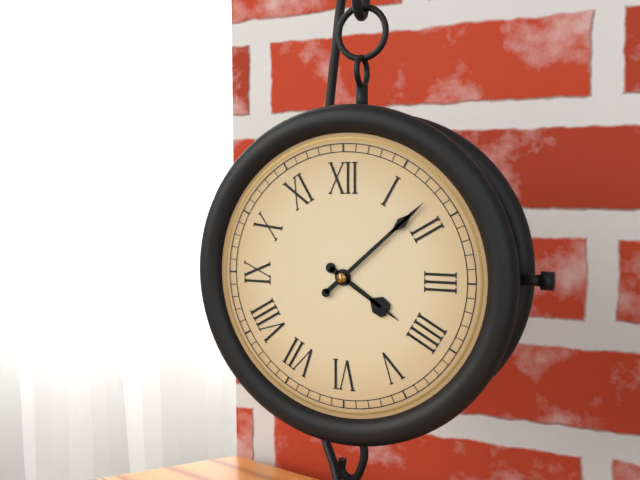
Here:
4,08
